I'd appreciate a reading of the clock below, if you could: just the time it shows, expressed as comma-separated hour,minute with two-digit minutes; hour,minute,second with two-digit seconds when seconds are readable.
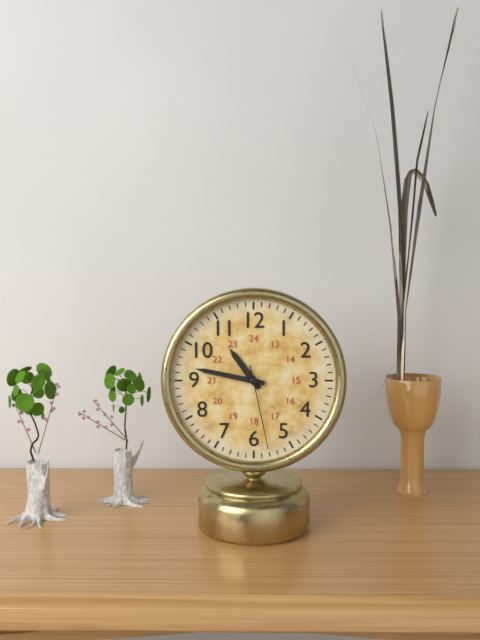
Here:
10,47,28
